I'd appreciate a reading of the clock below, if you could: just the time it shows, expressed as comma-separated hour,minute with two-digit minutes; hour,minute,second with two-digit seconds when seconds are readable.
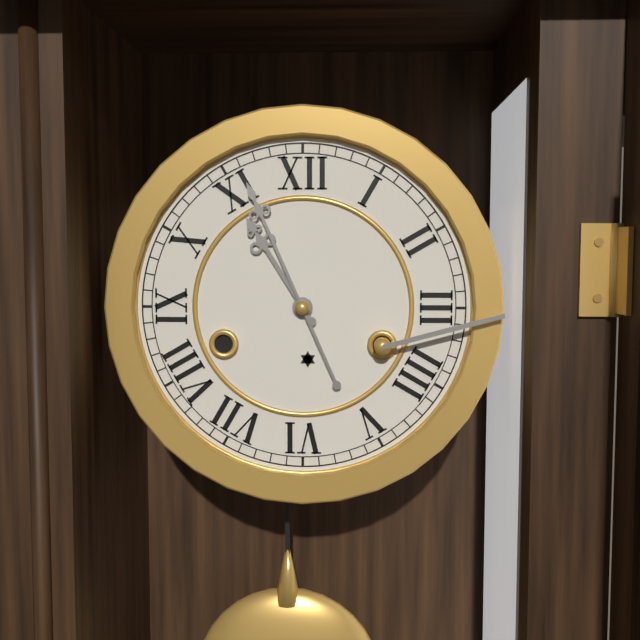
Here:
10,56
